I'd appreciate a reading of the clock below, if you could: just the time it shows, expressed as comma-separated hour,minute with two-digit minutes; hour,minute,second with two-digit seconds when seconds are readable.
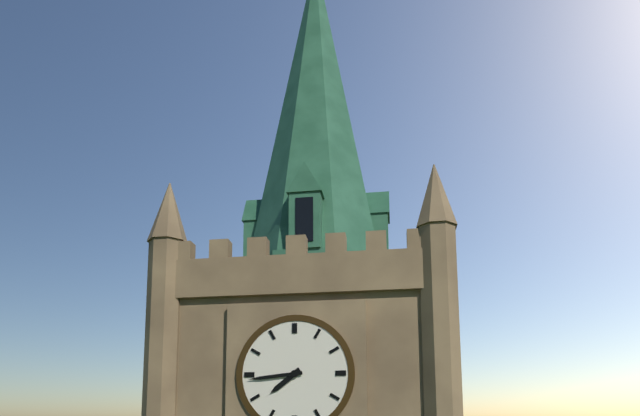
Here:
7,44
